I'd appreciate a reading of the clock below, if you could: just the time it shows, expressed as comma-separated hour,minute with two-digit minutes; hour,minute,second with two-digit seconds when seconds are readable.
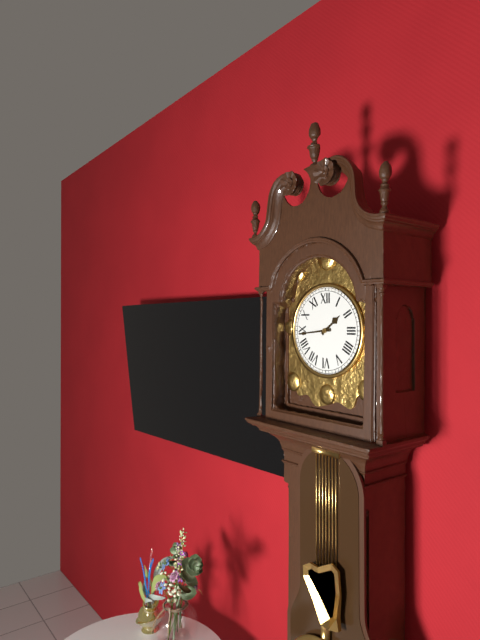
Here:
1,44
